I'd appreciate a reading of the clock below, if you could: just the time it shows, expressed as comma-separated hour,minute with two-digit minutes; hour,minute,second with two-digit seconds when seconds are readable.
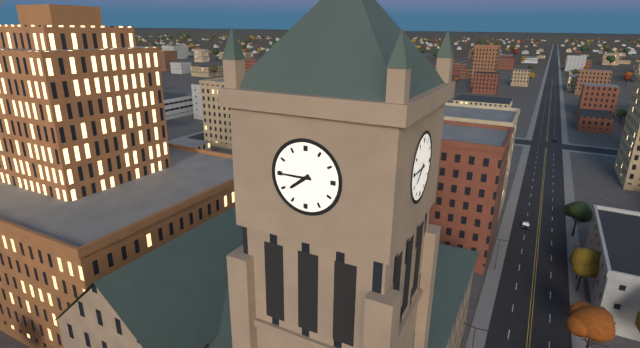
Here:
7,45
